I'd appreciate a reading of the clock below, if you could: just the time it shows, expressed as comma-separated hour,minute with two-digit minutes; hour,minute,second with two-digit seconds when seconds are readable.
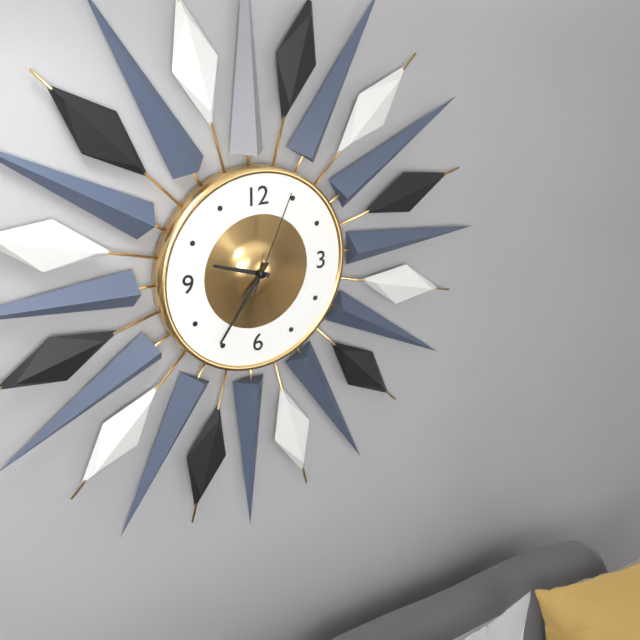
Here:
9,36,04
